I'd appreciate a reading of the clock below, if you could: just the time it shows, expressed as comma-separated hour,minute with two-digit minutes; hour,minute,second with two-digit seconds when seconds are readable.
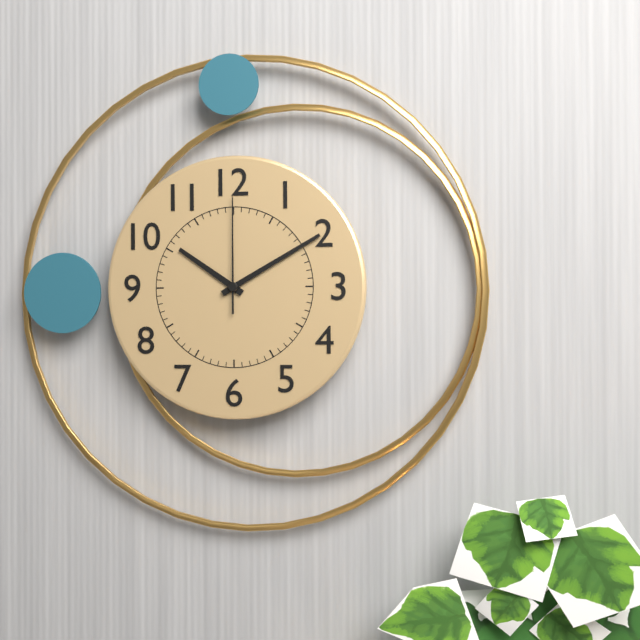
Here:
10,10,00
